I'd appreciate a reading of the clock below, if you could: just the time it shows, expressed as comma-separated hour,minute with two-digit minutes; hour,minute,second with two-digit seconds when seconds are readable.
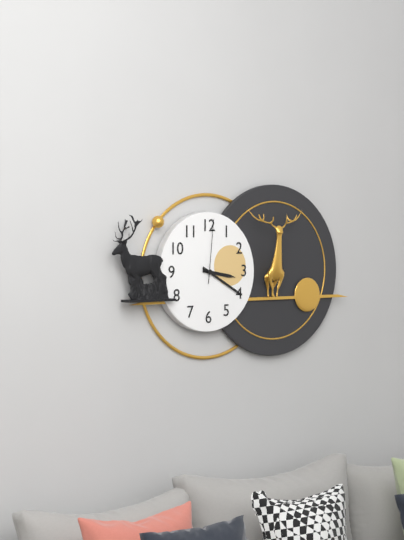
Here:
3,20,01
